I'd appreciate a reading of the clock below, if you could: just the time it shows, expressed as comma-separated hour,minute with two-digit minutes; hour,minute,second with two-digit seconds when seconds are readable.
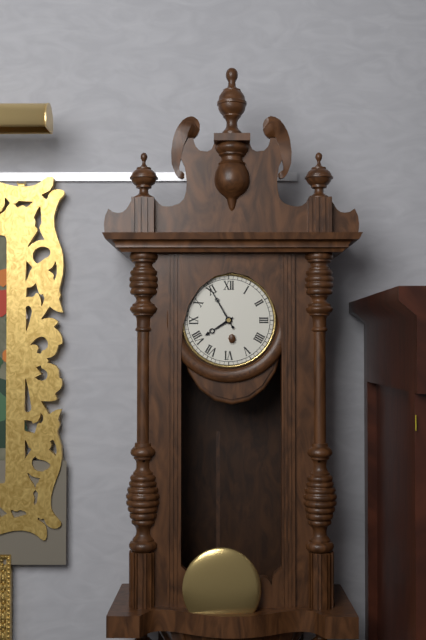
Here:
7,55
